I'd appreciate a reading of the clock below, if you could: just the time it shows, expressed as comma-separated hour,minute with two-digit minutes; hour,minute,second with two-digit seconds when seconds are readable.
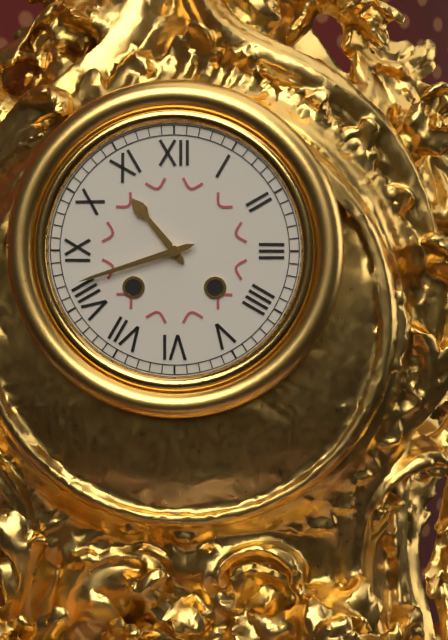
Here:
10,42
